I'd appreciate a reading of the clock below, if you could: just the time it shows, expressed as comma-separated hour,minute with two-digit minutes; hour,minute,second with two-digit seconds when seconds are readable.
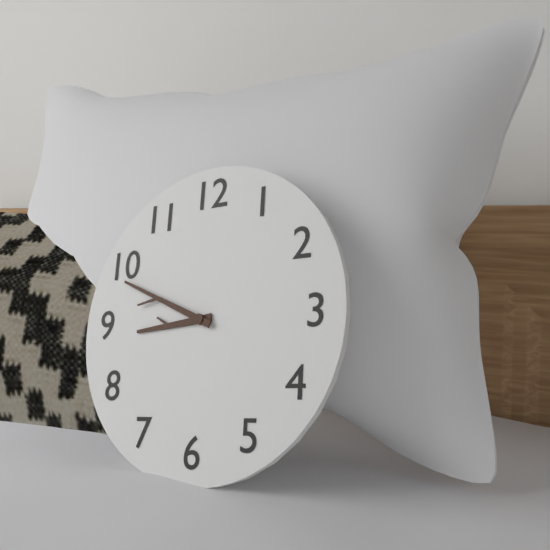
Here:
8,49
